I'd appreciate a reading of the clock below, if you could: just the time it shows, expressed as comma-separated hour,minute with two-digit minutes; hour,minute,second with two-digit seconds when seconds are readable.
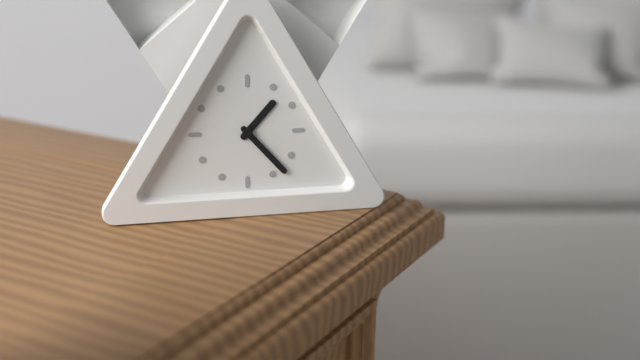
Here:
1,23
